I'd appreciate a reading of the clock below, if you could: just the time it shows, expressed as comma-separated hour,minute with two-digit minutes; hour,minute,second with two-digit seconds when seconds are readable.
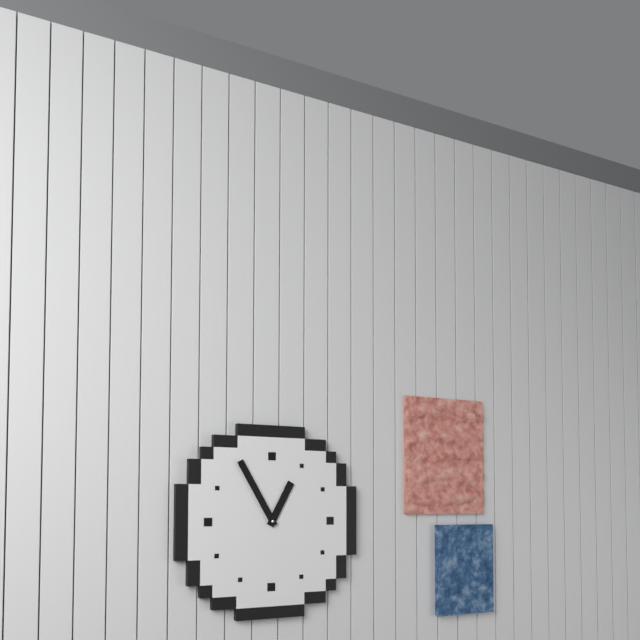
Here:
12,55
